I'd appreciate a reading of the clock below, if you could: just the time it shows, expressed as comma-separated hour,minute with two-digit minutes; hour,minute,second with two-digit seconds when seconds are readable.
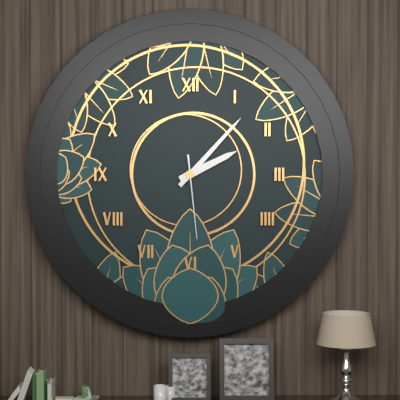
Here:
2,07,29
